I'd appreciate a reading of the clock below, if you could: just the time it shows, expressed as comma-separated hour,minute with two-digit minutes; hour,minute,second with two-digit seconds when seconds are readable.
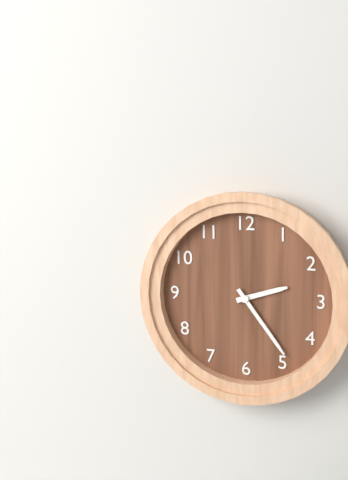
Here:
2,24
